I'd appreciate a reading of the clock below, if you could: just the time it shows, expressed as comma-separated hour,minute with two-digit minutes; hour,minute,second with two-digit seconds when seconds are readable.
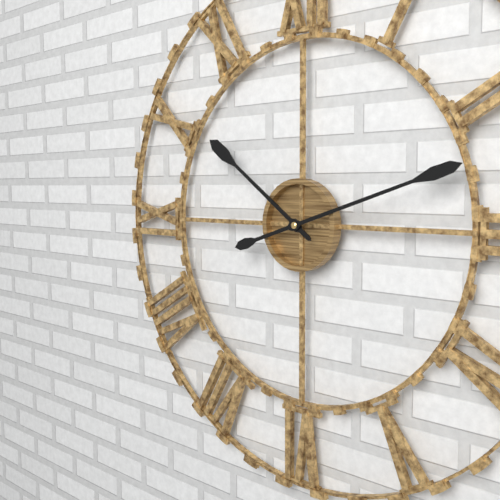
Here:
10,12
